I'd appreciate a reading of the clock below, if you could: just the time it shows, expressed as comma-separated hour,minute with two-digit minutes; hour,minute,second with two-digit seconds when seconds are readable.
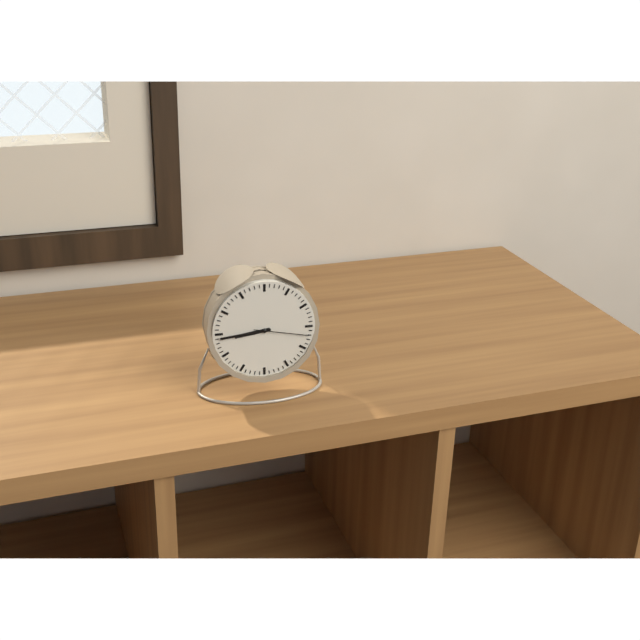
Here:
8,44,17
